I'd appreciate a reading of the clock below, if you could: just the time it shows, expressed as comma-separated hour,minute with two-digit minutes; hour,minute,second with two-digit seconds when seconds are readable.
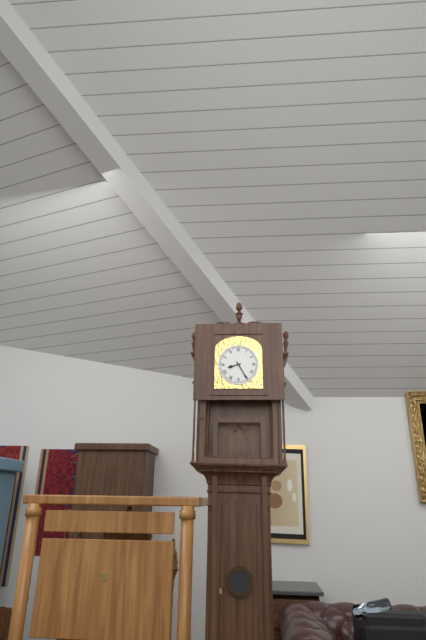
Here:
8,25
